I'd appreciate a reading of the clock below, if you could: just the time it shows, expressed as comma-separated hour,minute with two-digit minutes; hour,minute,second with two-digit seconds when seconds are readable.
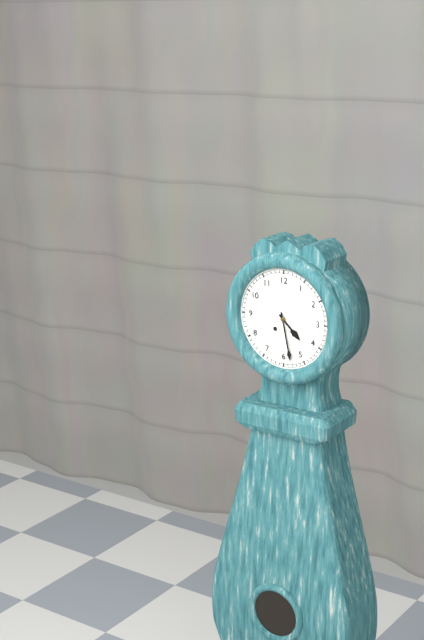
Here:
4,28
